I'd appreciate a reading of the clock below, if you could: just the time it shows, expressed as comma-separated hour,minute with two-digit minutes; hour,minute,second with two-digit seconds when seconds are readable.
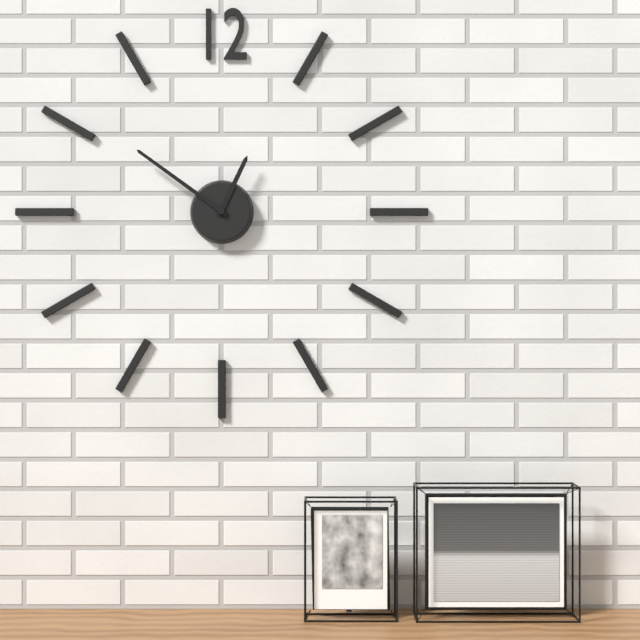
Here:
12,51
